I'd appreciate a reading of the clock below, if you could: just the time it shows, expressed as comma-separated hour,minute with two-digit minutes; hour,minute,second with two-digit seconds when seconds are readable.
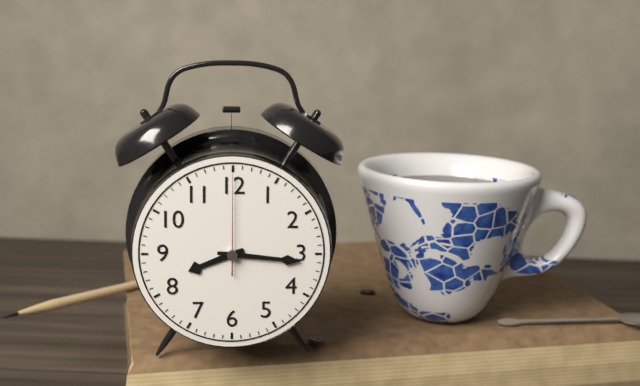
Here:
8,16,00
